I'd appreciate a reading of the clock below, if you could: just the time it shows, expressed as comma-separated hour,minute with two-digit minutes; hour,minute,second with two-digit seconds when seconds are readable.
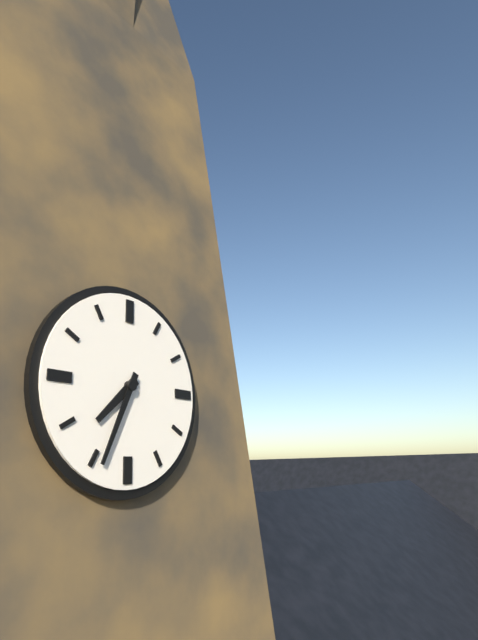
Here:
7,34
